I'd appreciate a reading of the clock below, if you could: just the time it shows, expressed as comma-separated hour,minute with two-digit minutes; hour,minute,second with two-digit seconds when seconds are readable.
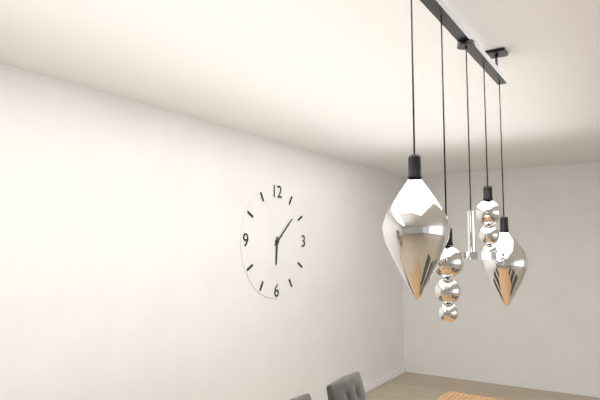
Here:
6,08
